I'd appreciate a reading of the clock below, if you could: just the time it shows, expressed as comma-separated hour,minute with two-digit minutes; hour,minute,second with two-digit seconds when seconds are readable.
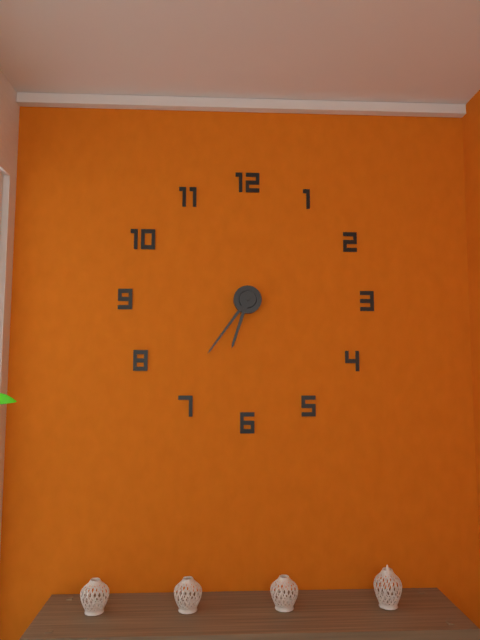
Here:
6,36
